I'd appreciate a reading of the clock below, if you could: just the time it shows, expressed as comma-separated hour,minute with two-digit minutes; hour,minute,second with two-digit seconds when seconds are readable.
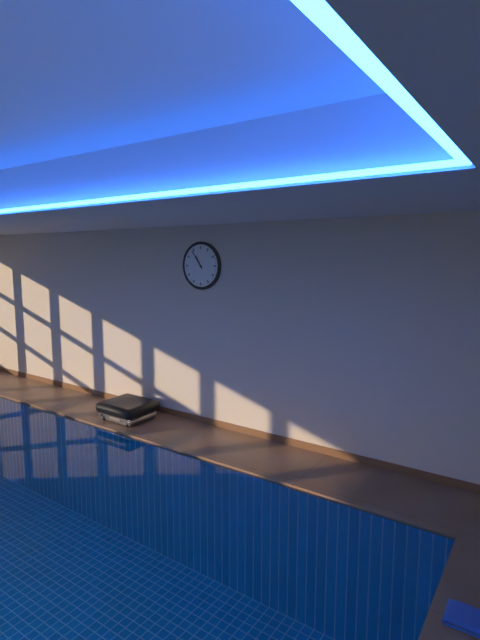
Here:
10,54
